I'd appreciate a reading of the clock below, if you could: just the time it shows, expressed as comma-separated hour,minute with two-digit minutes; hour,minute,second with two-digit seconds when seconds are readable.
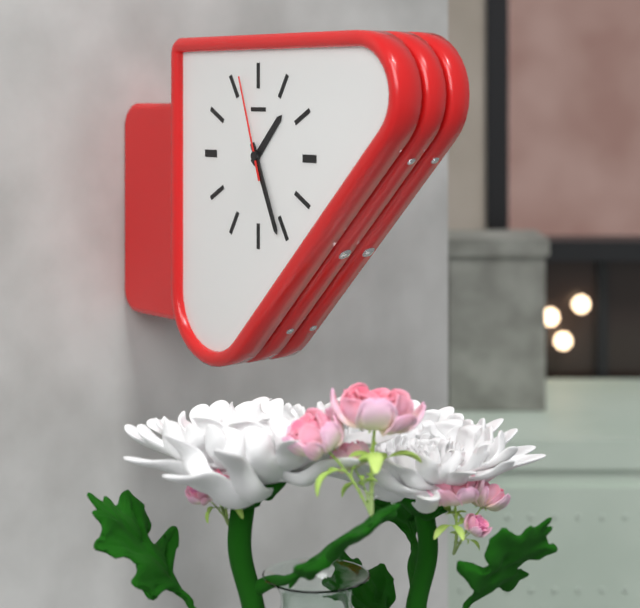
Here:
1,26,57
